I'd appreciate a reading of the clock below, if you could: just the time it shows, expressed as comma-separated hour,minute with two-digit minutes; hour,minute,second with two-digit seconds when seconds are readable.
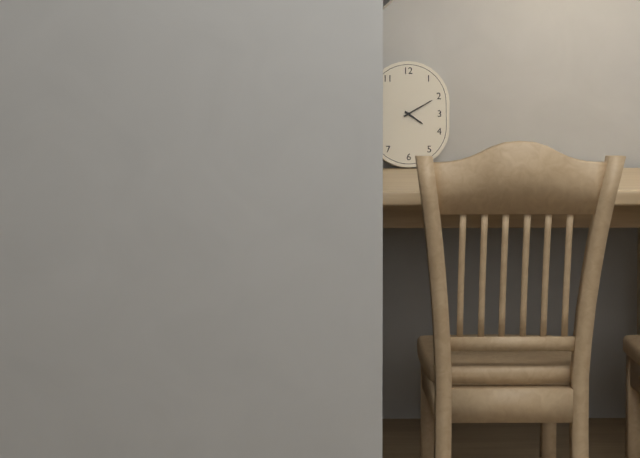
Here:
4,10
